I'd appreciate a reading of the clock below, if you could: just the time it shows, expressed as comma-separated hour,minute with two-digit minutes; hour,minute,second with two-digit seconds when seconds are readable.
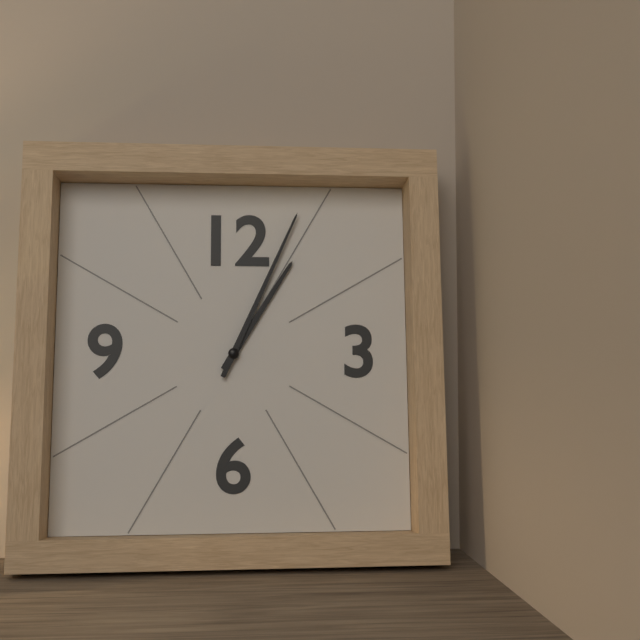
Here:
1,04
